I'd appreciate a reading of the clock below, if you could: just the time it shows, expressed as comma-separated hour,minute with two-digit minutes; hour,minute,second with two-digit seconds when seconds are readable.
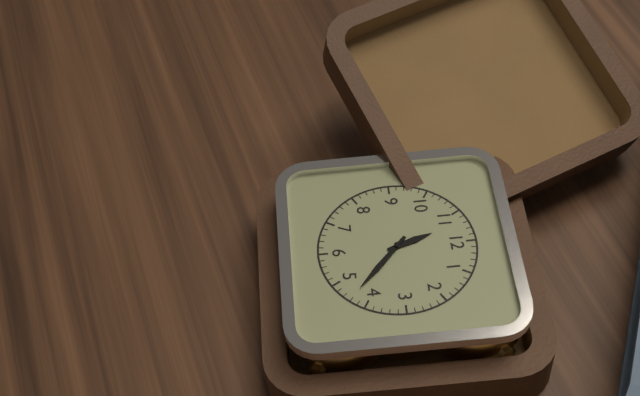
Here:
11,22
